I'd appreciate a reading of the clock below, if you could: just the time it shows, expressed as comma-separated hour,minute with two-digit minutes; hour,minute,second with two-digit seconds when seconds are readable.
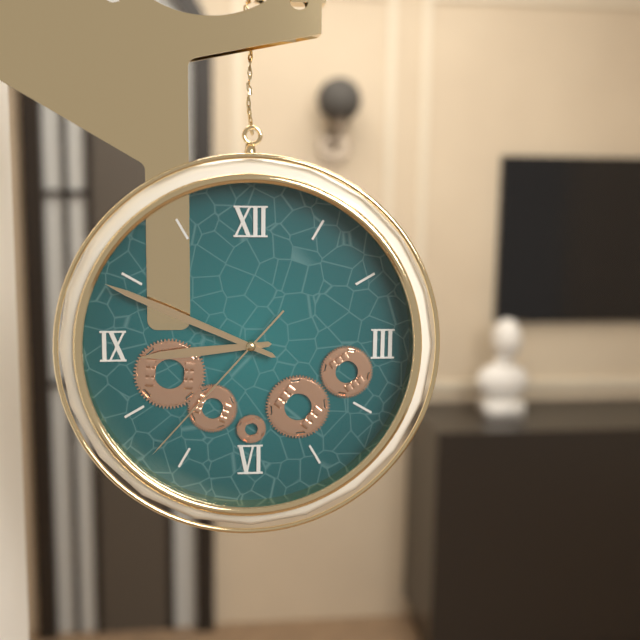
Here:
8,49,37
